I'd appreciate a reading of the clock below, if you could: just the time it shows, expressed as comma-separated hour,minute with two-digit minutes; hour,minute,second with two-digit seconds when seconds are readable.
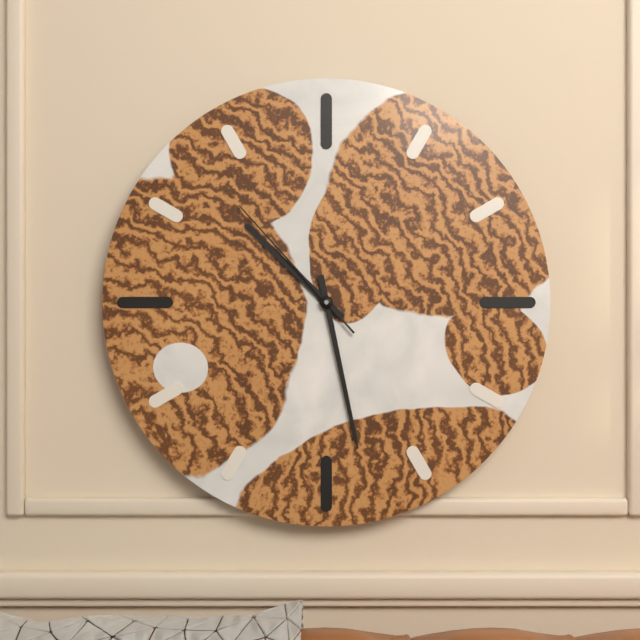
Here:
10,28,53
